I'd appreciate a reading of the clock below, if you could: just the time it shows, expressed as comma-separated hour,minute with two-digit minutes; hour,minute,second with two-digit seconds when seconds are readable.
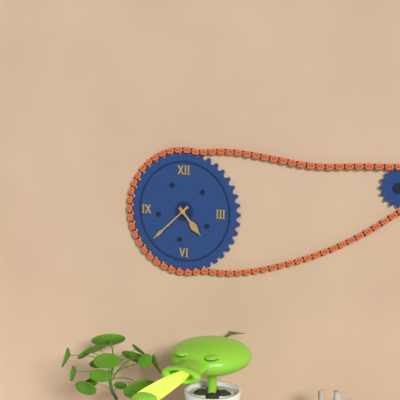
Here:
4,38
